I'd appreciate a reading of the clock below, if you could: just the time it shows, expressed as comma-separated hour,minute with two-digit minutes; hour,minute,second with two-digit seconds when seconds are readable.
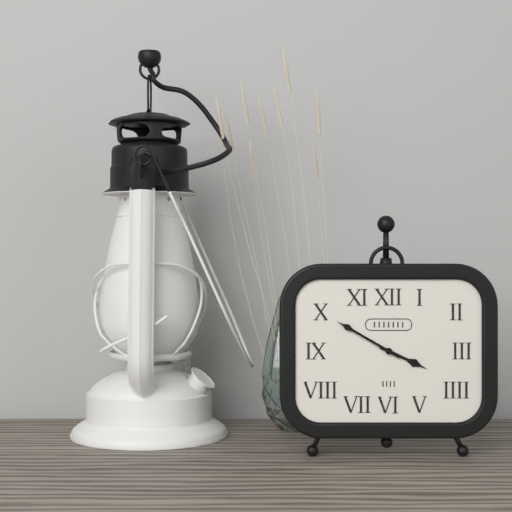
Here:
3,50
